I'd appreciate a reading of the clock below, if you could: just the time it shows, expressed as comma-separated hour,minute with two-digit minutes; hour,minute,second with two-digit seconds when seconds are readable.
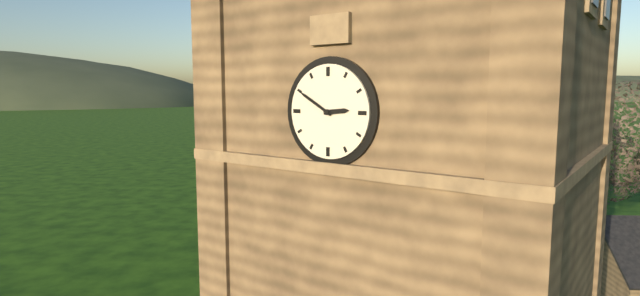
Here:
2,50
